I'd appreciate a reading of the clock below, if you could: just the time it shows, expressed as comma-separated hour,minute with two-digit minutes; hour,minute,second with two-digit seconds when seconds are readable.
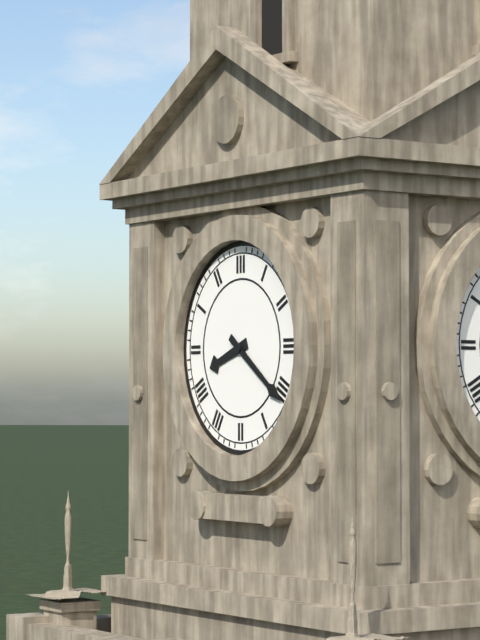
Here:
8,21
